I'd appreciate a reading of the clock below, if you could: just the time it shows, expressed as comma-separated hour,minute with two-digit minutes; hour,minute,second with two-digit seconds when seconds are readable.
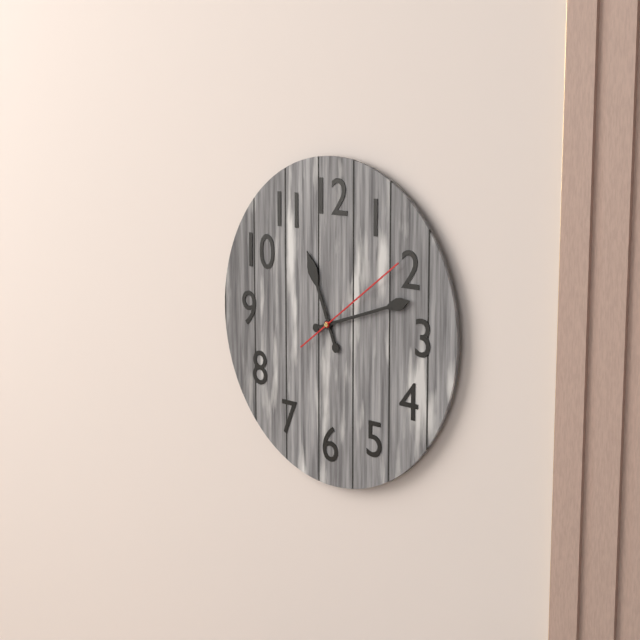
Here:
11,12,09
